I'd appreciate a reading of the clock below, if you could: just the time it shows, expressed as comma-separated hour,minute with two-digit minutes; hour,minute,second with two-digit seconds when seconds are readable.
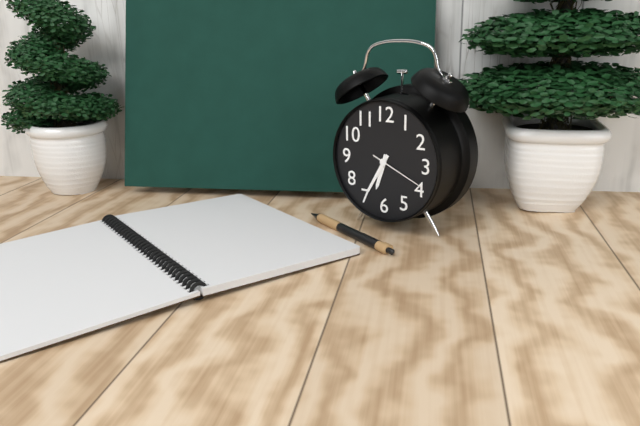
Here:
6,35,19
